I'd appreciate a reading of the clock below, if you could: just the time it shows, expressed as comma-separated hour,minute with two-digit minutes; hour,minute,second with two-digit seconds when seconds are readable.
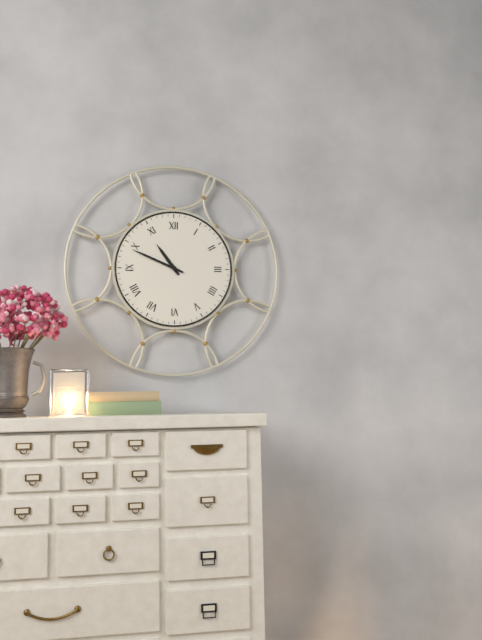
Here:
10,49
